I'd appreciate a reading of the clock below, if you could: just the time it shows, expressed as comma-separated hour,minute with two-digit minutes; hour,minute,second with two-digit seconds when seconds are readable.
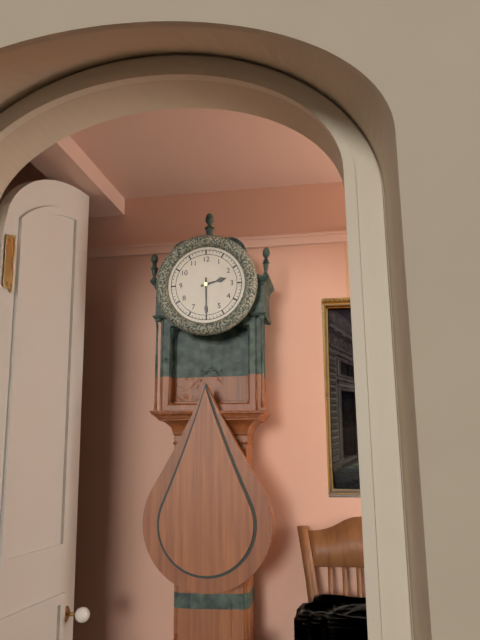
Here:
2,30
